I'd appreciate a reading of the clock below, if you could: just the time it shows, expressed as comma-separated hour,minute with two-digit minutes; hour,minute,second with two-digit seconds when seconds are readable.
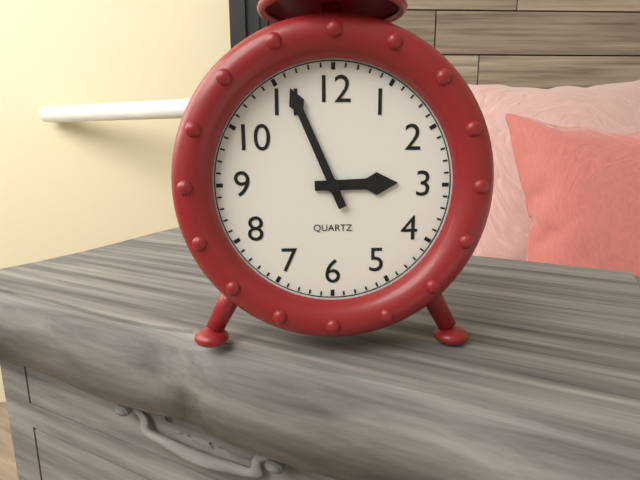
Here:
2,56
